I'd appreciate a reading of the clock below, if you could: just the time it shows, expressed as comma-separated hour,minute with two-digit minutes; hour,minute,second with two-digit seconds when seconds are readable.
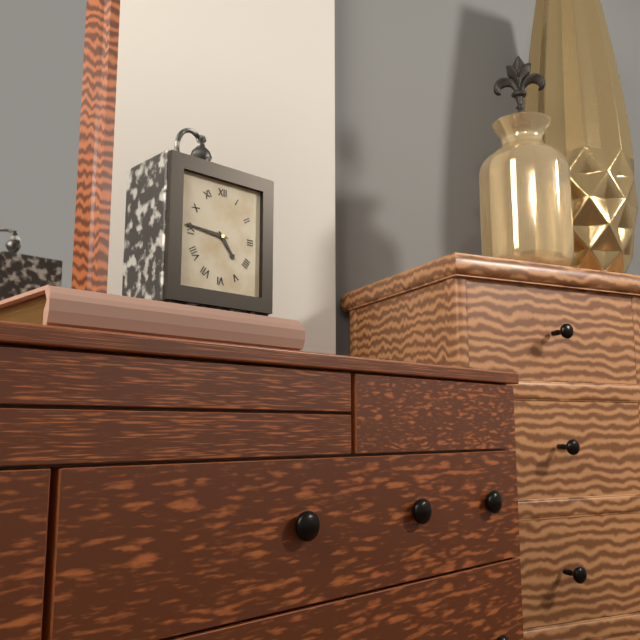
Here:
4,46
